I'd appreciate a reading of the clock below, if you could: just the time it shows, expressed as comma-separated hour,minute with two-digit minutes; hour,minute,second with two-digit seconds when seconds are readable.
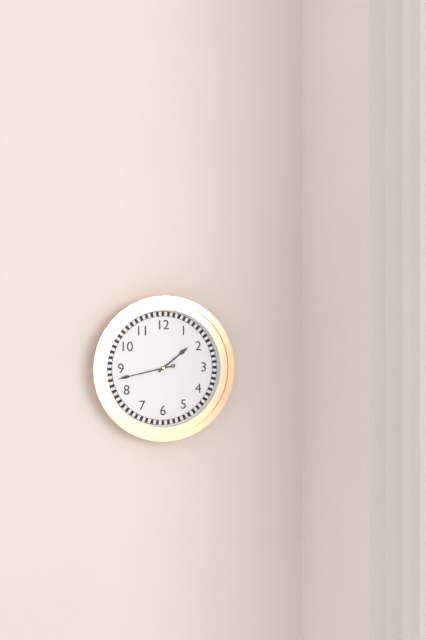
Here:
1,43
